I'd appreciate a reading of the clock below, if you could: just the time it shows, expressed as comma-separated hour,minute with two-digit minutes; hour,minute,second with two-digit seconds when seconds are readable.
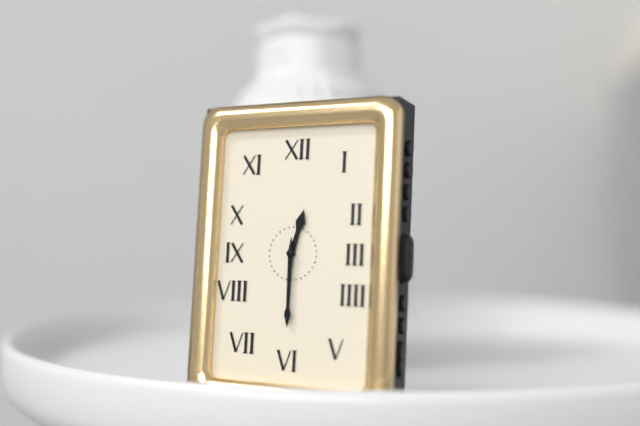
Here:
12,30
